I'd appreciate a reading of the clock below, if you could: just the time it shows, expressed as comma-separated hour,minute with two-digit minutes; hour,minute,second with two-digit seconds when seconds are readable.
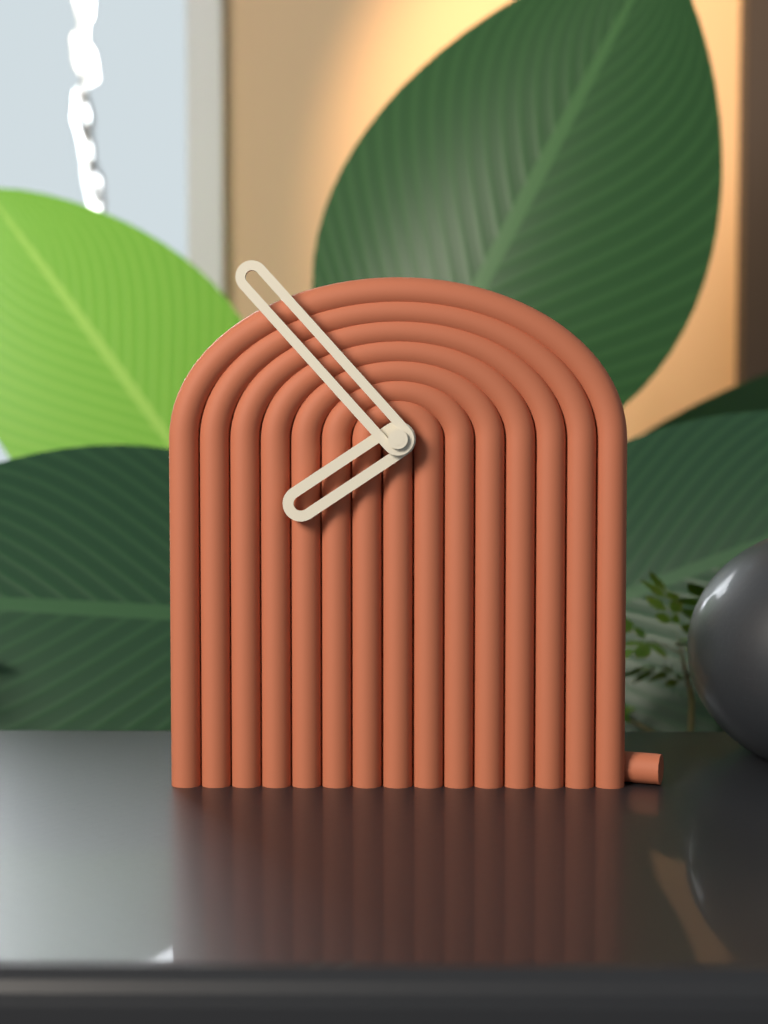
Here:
7,53
